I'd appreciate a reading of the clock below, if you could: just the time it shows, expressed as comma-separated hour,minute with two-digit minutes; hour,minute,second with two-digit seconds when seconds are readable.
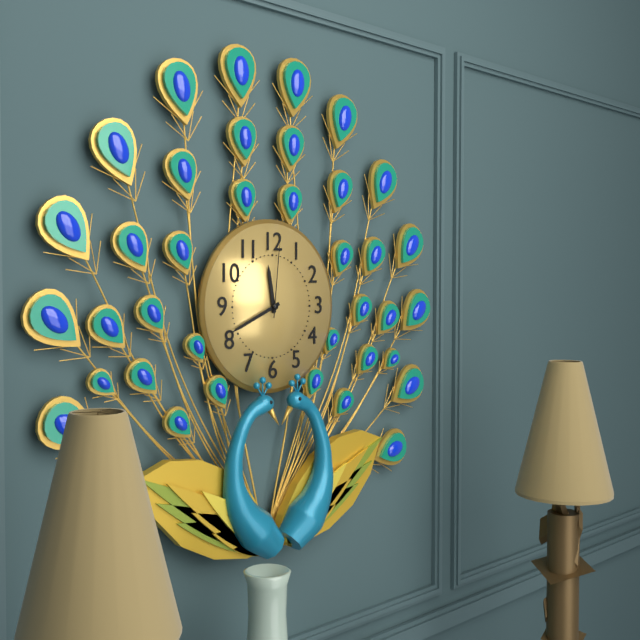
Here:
11,41,01
